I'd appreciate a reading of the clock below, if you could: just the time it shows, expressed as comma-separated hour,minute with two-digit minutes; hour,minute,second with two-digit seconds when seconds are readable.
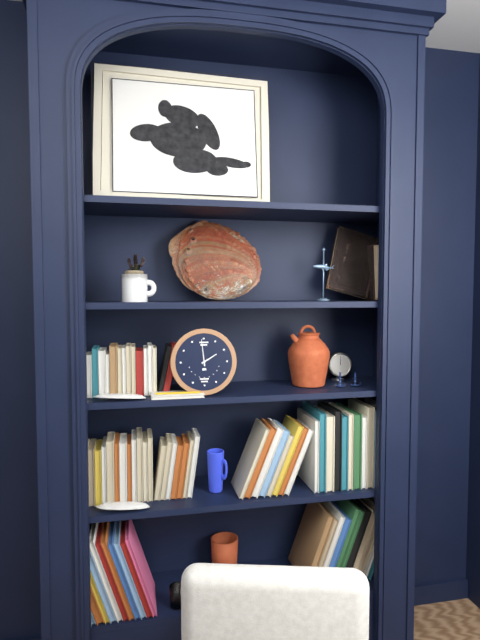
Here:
1,59
